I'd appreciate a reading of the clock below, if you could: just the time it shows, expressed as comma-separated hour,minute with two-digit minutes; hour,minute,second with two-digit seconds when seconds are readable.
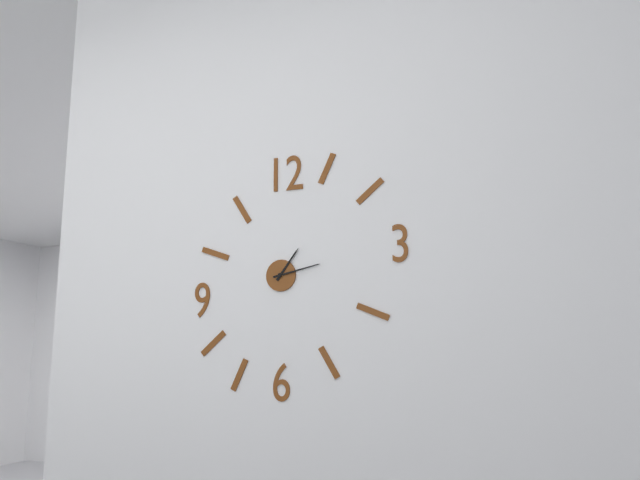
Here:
1,13
